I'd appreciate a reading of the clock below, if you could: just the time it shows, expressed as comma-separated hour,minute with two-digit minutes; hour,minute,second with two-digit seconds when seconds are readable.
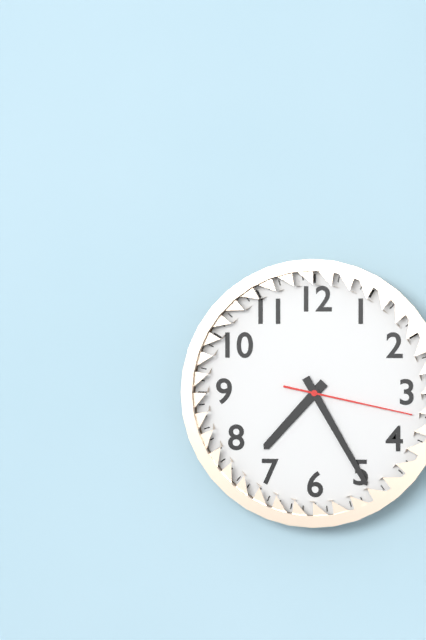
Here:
7,25,17
